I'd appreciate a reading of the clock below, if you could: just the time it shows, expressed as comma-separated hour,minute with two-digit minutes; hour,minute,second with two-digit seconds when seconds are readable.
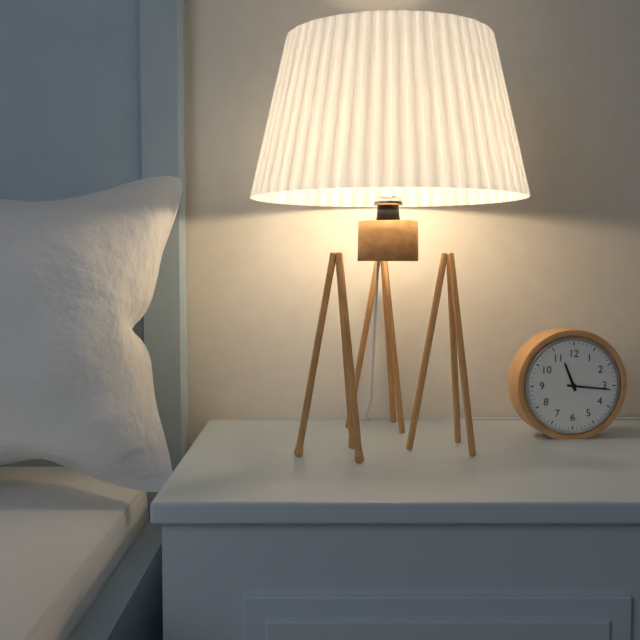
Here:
11,16
